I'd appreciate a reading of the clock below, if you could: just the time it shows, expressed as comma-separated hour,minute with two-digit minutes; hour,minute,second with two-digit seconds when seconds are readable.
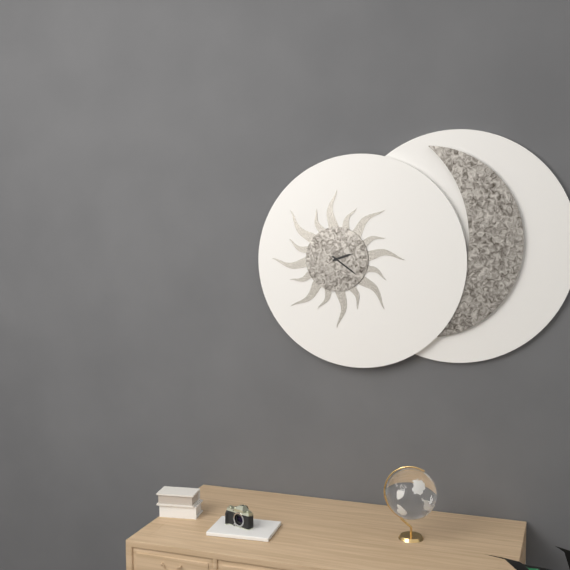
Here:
2,21
